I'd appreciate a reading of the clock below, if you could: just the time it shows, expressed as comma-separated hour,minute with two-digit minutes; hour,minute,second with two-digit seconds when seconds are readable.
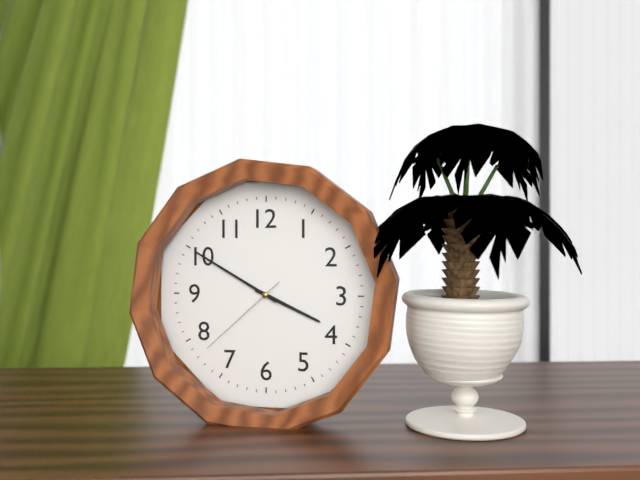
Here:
3,50,38
